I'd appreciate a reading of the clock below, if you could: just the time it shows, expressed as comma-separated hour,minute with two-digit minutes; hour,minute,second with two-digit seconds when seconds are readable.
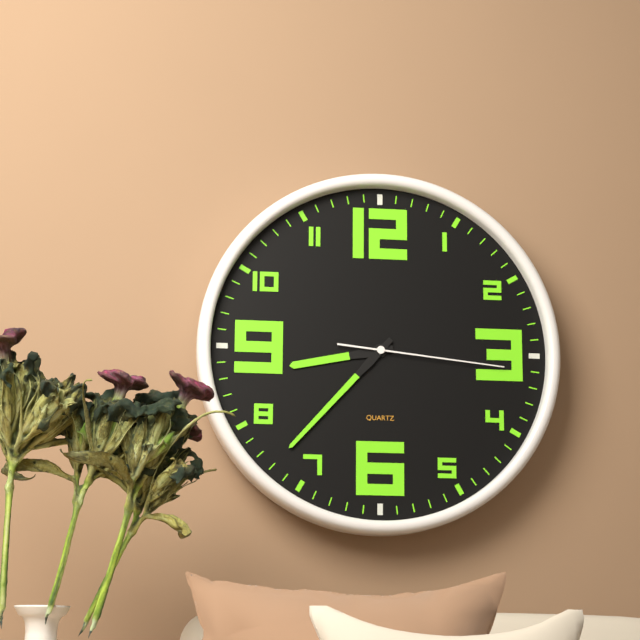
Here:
8,37,16
